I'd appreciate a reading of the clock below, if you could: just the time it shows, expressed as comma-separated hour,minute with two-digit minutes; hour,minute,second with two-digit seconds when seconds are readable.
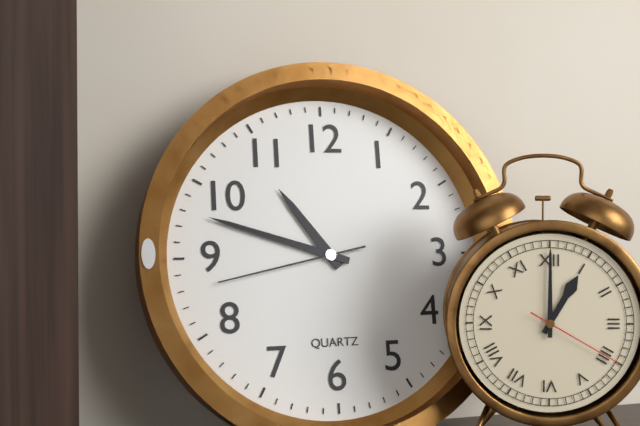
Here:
10,48,43
